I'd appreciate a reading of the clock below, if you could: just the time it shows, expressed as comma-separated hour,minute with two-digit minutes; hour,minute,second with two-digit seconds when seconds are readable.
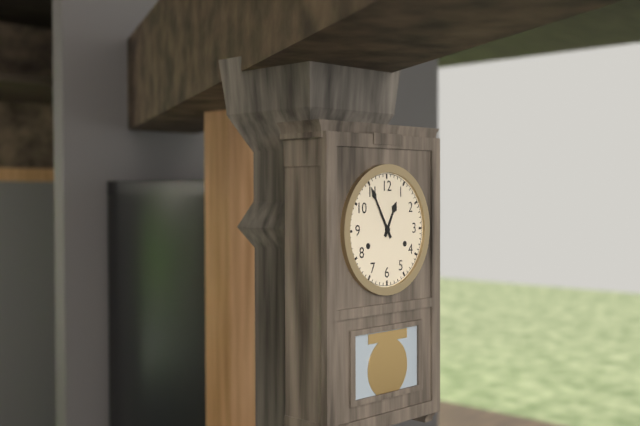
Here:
12,55
